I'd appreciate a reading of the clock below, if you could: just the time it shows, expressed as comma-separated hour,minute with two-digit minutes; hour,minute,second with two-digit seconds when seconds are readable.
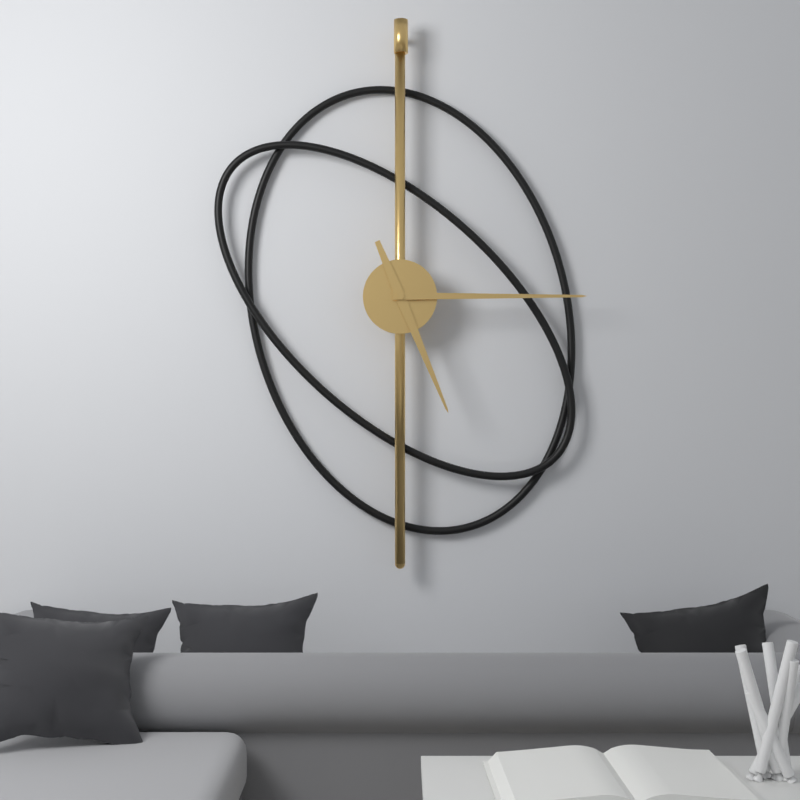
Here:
5,15
